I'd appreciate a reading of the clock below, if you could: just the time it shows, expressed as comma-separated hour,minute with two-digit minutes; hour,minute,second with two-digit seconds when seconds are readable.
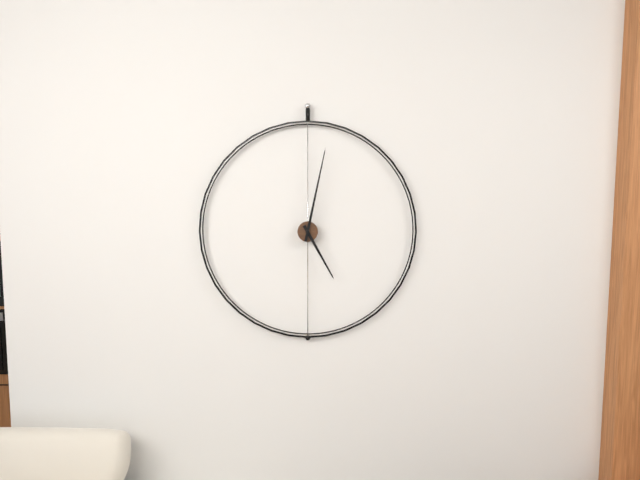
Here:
5,02
